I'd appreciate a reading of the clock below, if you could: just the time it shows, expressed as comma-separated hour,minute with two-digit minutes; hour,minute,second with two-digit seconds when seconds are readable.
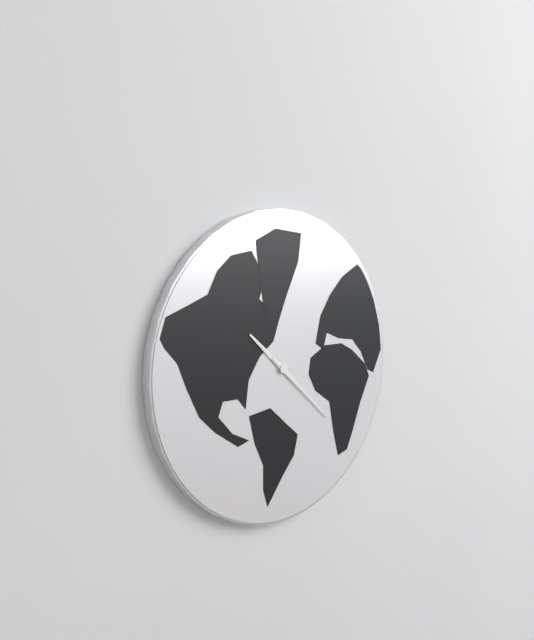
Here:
10,22
